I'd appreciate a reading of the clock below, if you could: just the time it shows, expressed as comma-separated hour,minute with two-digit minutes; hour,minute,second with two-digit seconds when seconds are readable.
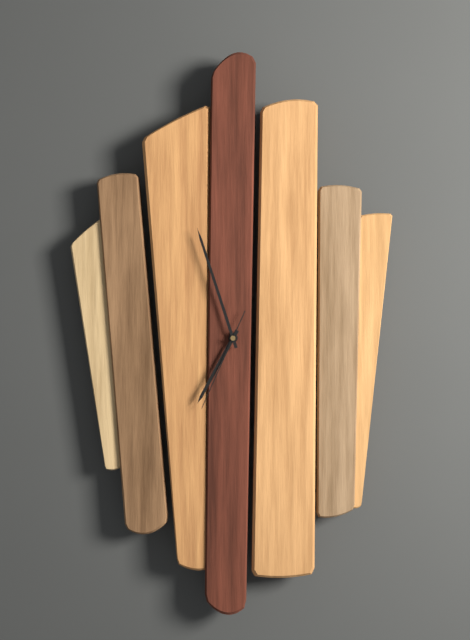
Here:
6,57,34
